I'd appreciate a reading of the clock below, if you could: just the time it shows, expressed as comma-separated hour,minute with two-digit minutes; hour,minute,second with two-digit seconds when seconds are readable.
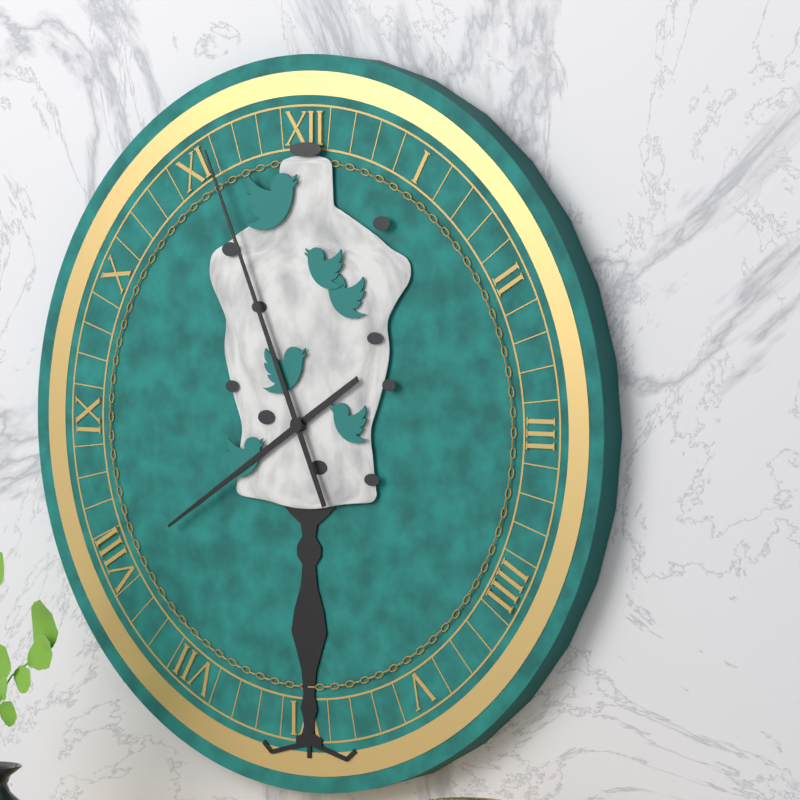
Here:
7,56
